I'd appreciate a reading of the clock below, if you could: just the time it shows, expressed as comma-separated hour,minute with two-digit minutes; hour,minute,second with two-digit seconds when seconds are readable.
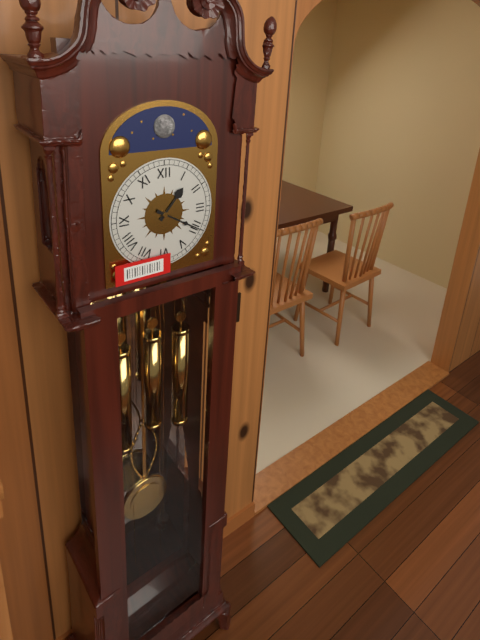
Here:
1,20
